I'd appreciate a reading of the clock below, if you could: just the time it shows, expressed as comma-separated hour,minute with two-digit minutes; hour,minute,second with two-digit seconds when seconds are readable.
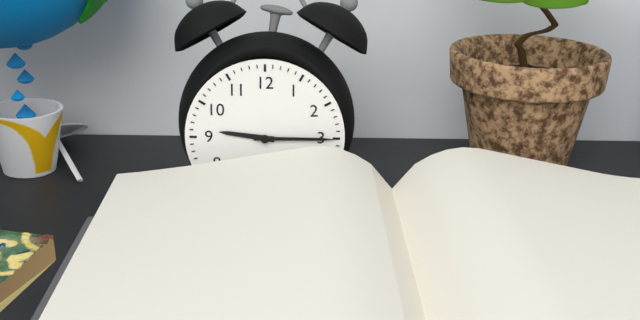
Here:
9,15
